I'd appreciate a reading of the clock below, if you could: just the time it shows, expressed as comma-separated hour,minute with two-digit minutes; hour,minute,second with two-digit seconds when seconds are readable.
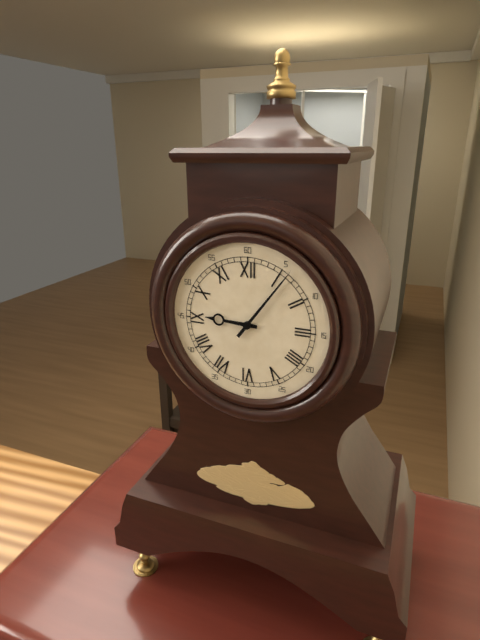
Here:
9,06
